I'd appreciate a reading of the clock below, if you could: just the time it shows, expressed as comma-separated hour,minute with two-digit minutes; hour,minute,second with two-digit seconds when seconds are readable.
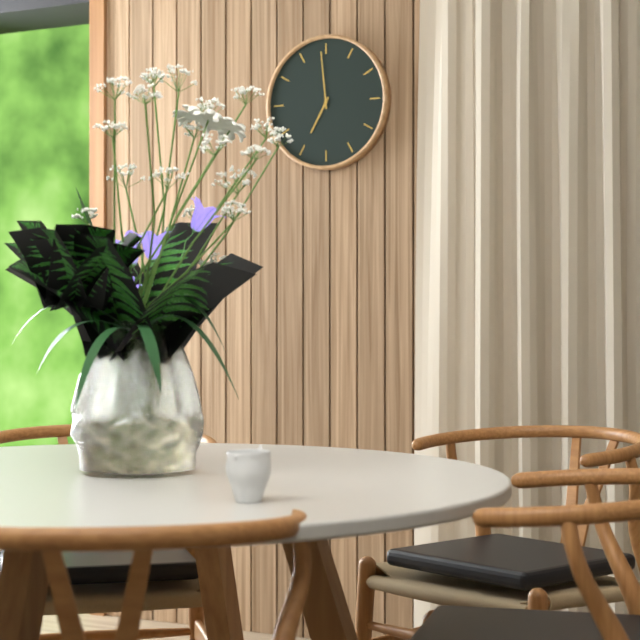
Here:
6,59
